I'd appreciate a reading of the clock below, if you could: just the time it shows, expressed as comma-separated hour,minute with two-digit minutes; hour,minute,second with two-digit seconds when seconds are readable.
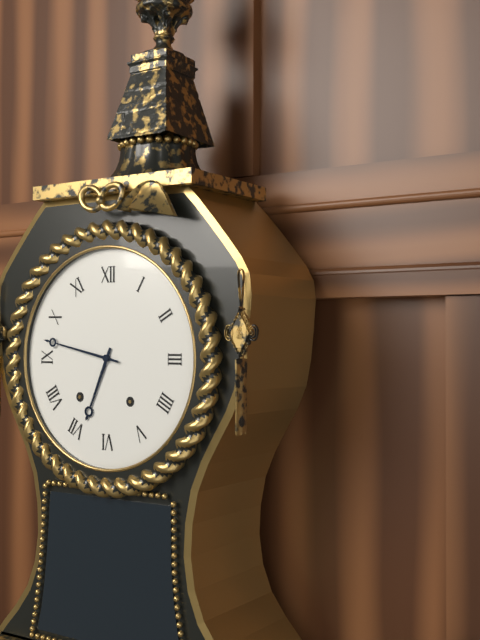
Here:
6,47
